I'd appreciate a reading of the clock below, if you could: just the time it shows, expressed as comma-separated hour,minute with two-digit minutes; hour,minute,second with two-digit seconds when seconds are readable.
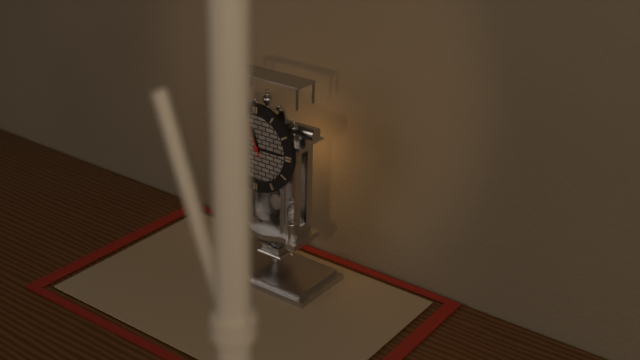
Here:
11,15
